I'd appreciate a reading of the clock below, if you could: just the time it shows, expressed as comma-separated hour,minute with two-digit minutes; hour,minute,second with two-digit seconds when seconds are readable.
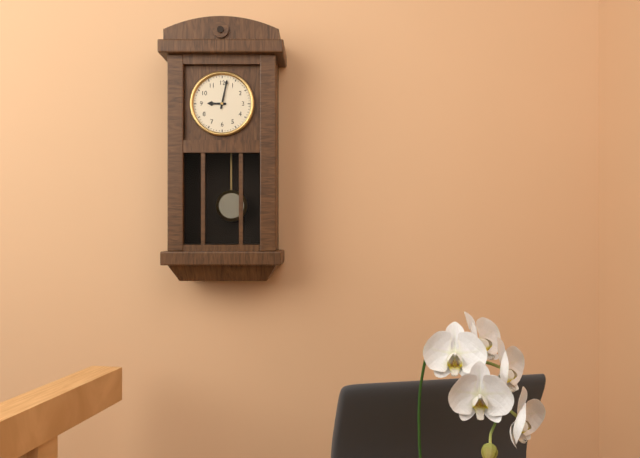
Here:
9,02
